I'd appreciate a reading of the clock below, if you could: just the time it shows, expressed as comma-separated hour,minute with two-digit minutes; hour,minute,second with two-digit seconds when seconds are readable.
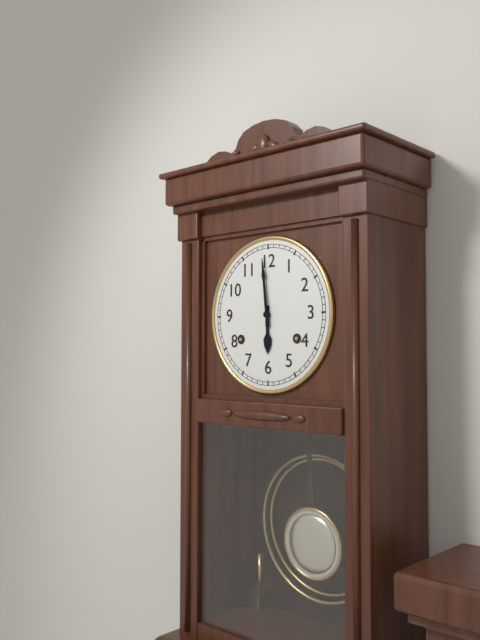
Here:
5,59
